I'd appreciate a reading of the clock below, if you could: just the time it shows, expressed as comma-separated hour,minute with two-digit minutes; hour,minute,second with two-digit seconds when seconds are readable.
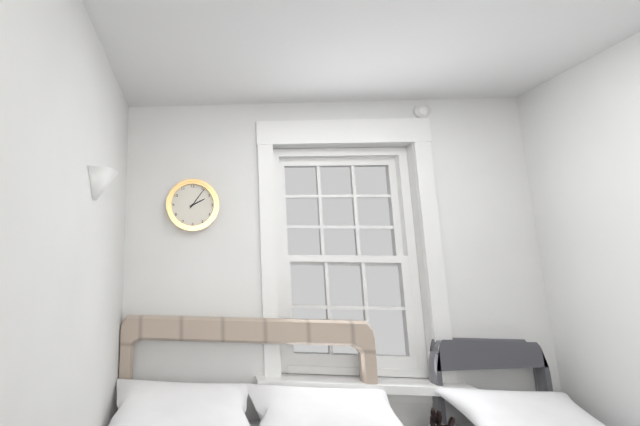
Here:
2,06
